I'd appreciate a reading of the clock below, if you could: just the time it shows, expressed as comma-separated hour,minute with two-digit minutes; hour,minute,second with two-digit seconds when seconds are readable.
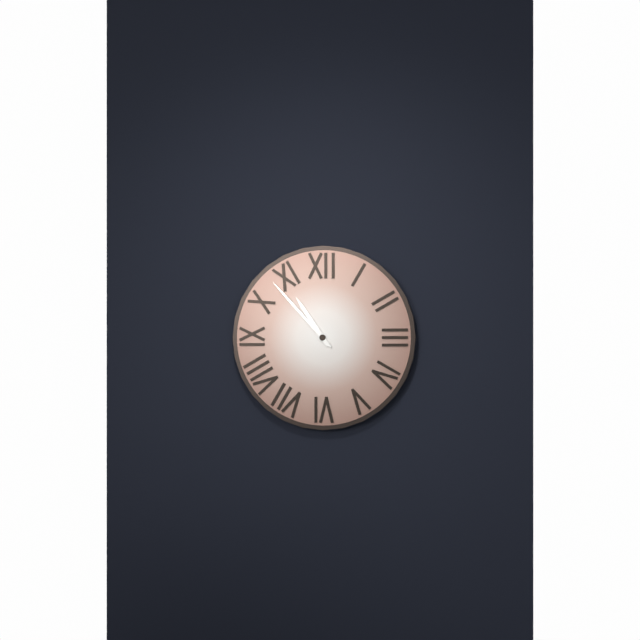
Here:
10,53
